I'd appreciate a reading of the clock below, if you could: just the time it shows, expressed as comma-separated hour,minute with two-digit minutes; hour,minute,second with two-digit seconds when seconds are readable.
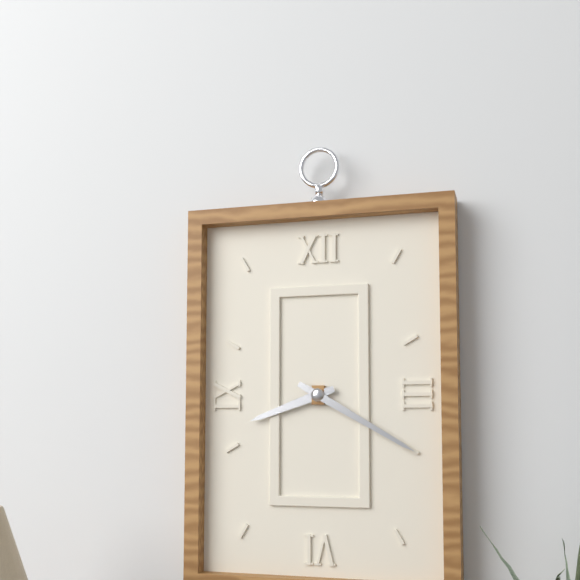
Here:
8,20
